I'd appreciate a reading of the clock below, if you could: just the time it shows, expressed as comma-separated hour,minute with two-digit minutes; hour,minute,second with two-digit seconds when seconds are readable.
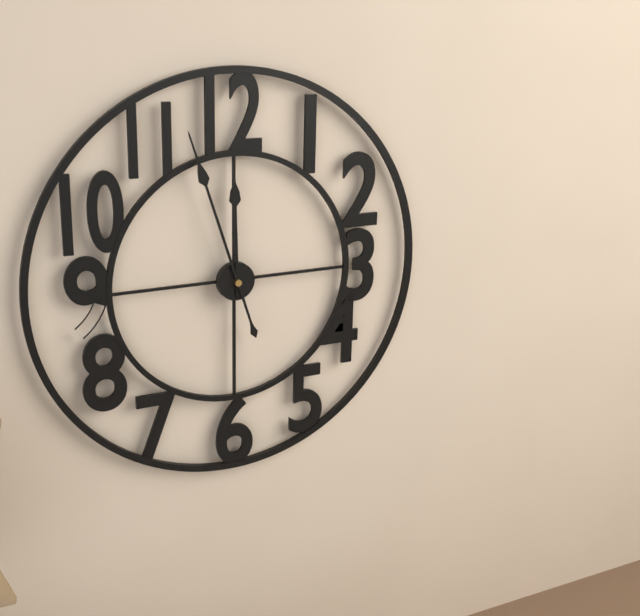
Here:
11,57
